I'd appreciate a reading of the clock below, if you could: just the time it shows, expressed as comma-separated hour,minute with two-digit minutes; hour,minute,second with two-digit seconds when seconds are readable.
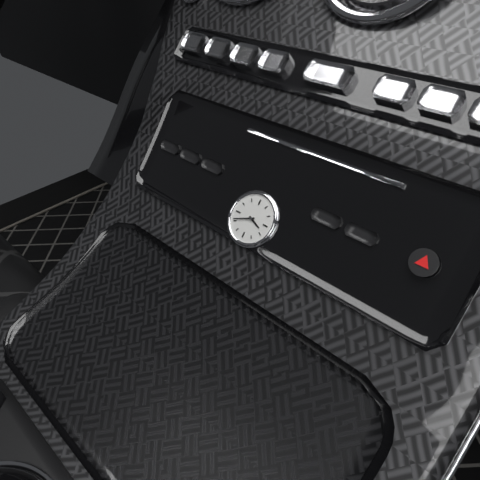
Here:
3,41
